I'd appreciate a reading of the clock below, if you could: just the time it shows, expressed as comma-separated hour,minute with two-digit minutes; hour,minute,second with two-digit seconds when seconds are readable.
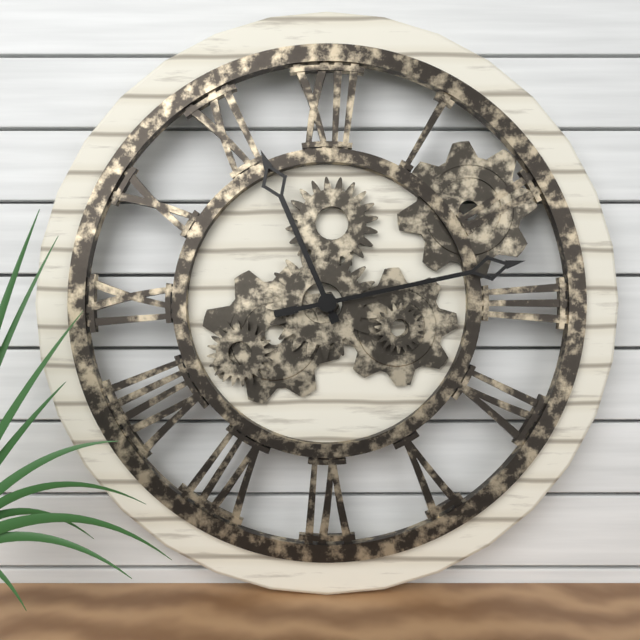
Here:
11,13
